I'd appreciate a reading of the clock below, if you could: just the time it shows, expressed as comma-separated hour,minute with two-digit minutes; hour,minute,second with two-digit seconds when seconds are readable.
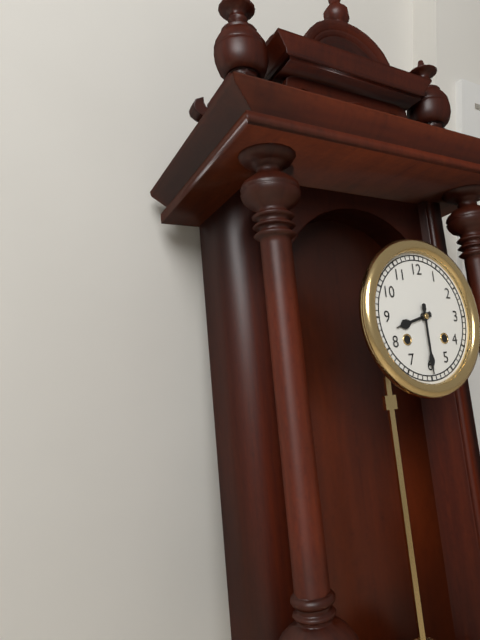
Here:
8,30
